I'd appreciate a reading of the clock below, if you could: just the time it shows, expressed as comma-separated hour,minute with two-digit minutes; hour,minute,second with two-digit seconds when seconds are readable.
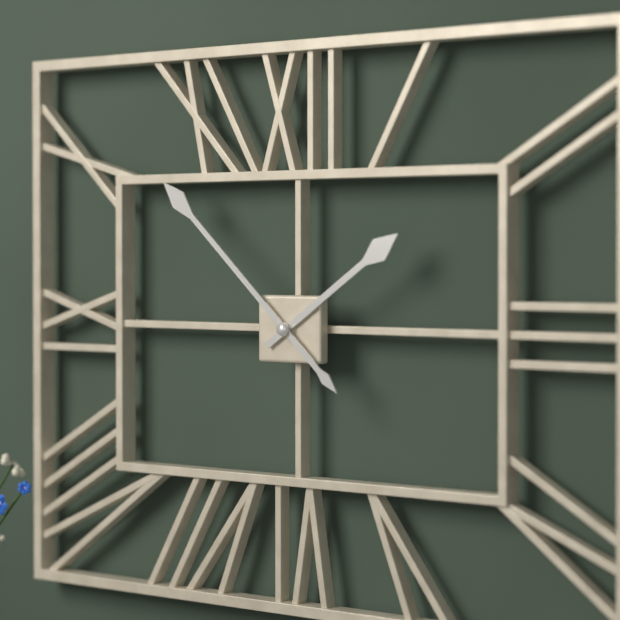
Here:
1,52
